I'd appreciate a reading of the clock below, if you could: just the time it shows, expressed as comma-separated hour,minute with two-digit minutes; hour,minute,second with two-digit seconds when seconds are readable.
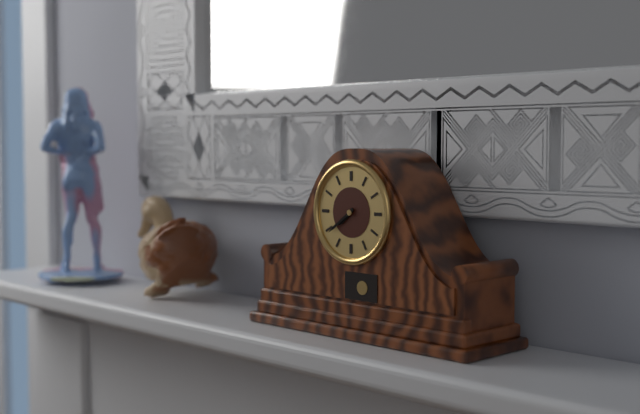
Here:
7,39
